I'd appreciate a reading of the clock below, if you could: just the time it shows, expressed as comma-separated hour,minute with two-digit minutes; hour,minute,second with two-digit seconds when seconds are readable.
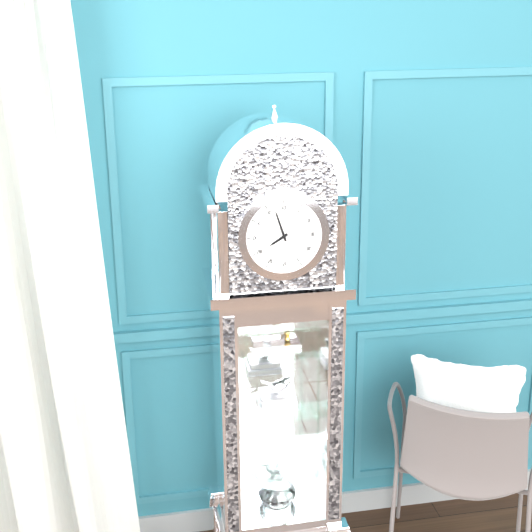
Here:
7,57
